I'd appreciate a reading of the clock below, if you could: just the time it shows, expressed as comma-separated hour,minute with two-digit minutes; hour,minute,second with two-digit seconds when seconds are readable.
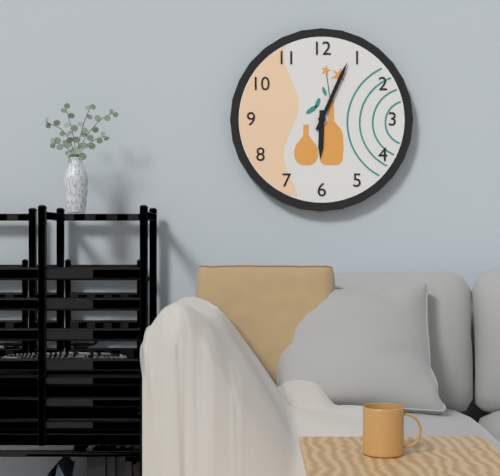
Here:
6,04
